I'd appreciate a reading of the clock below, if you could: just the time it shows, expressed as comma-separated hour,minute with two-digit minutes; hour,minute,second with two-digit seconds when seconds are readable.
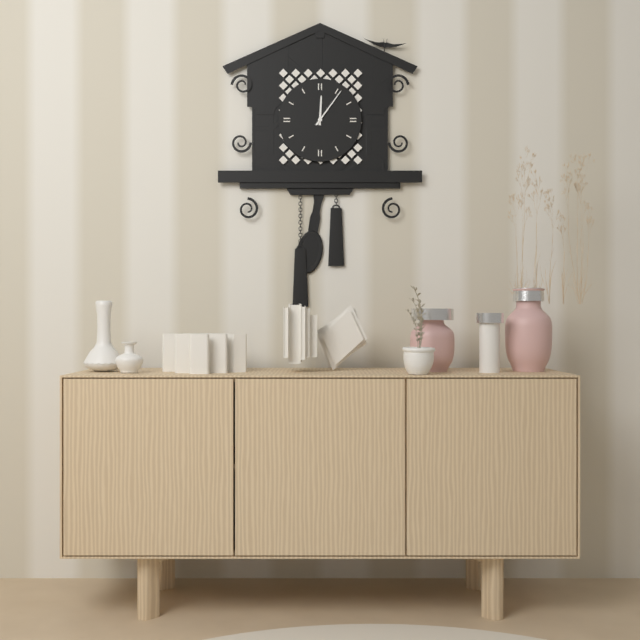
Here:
12,06
